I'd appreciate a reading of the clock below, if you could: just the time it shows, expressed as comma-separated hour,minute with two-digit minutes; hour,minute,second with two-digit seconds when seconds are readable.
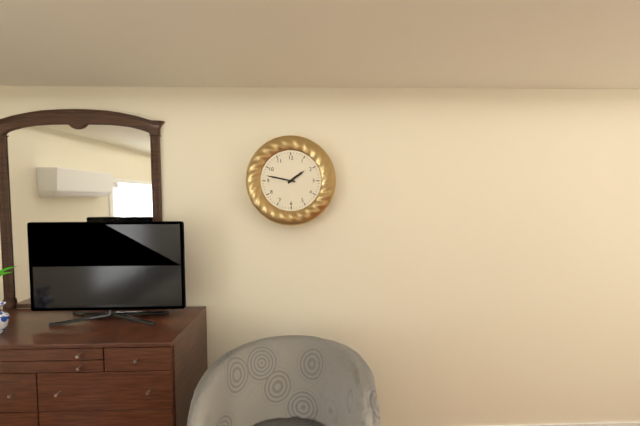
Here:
1,47
